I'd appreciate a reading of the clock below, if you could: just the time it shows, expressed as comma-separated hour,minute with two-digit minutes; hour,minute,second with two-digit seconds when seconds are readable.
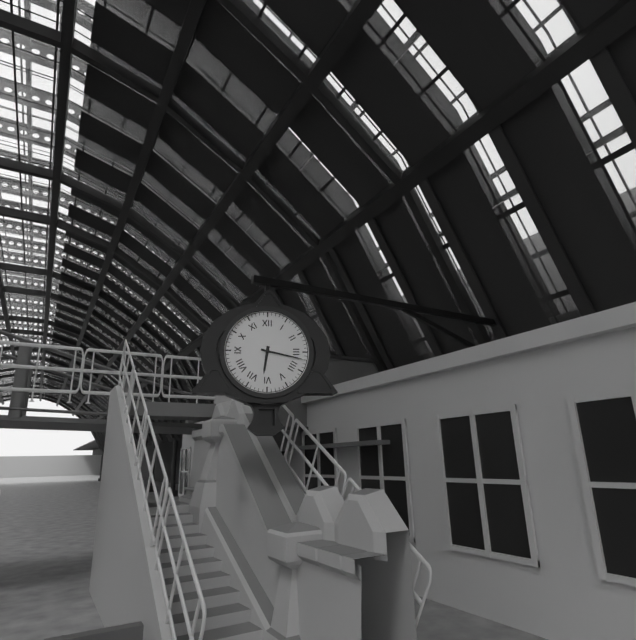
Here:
6,17
